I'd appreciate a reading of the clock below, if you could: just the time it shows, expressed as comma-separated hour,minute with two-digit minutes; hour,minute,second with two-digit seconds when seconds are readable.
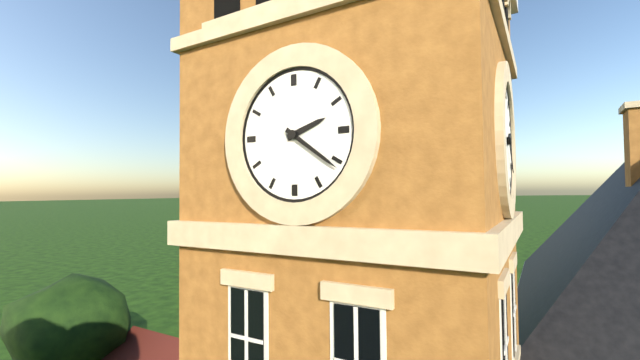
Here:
2,21
